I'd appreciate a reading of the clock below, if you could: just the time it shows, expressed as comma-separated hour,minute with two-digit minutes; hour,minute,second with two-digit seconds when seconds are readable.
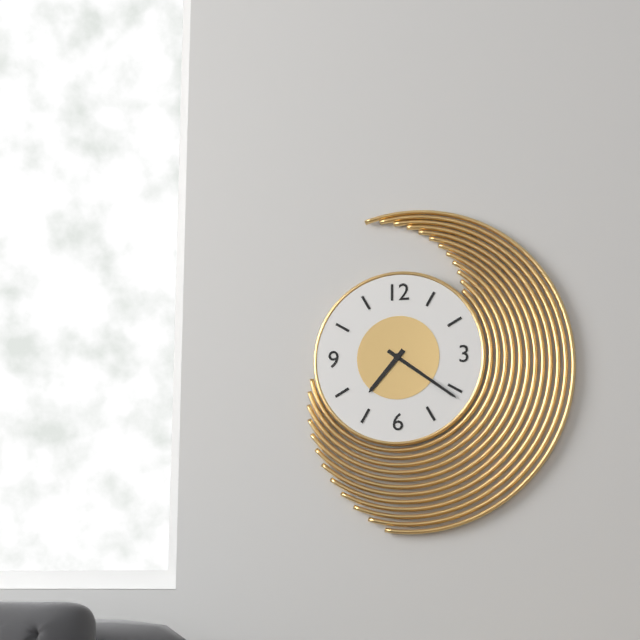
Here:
7,21
